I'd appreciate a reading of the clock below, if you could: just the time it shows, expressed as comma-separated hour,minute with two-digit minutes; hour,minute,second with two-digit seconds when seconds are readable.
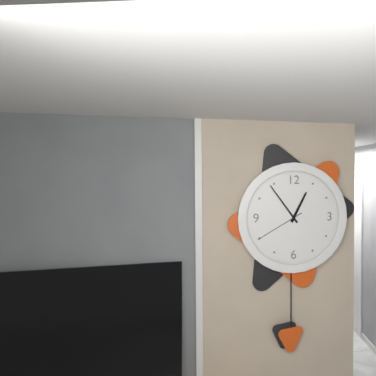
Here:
12,54,40
